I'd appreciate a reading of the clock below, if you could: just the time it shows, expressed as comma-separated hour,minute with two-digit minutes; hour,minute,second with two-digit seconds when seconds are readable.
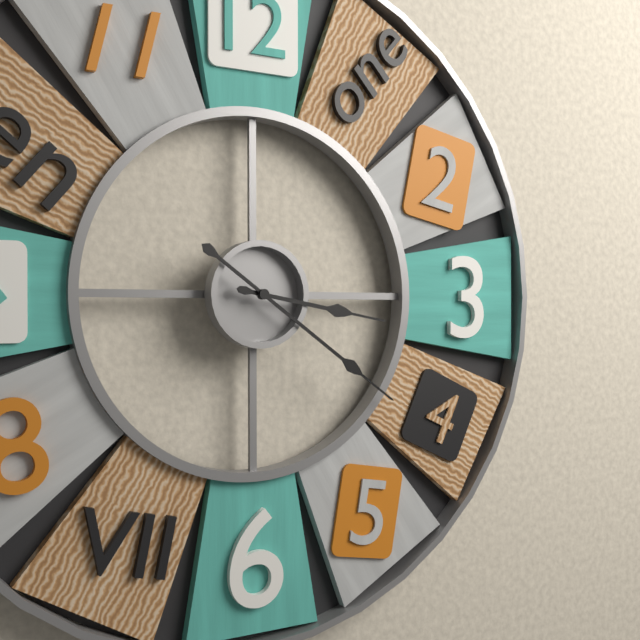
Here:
3,21
